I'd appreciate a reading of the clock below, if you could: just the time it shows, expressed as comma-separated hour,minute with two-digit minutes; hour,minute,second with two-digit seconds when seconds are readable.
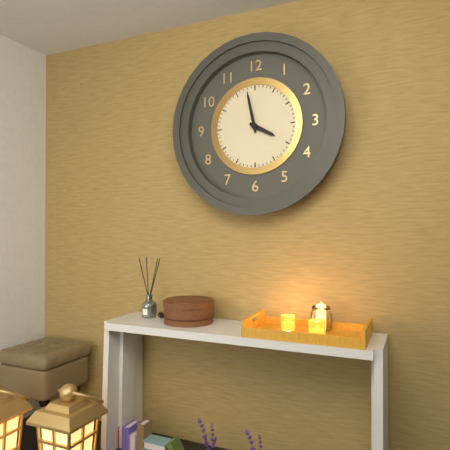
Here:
3,58
